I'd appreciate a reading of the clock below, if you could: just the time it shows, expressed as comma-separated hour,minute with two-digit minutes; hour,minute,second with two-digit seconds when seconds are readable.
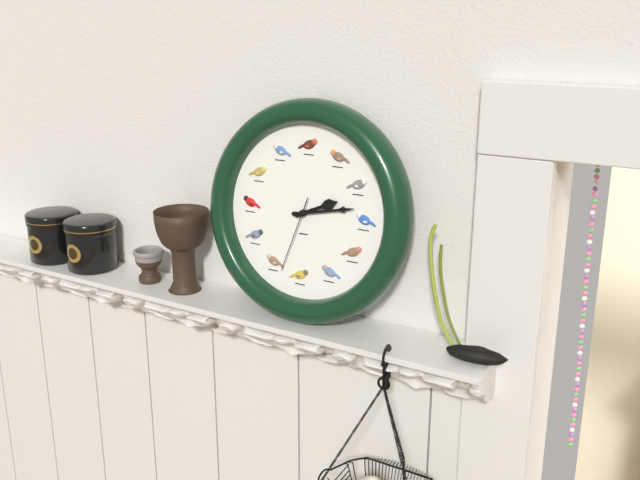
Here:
2,13,33
